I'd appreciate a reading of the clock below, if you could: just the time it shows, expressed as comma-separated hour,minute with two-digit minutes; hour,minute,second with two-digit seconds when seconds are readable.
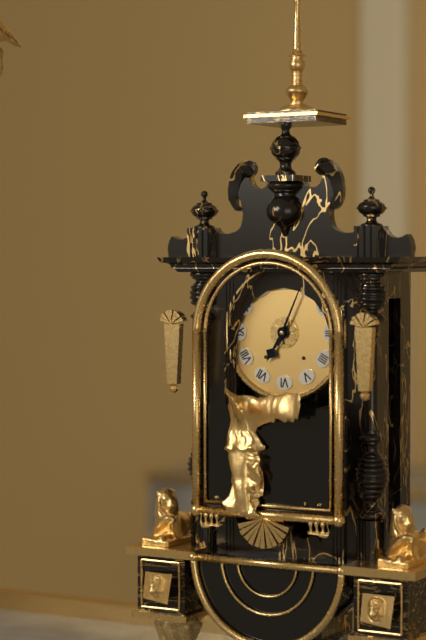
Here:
7,04
